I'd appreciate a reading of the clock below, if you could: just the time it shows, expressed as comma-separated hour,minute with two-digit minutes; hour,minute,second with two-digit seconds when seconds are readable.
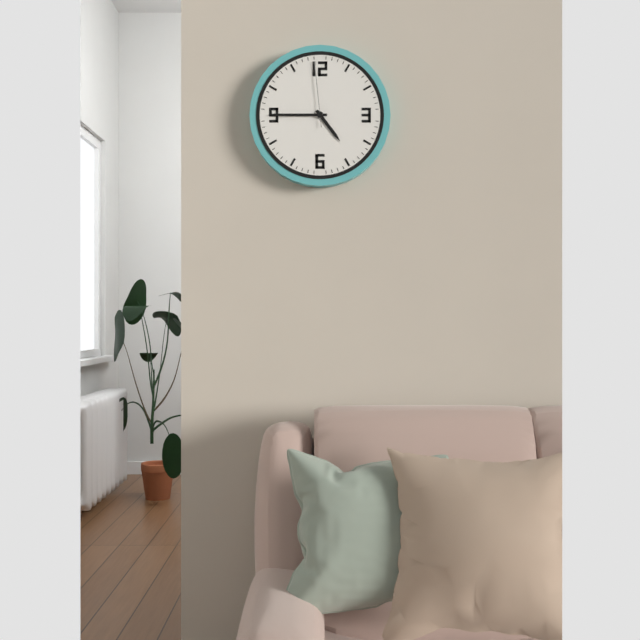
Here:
4,45,59
